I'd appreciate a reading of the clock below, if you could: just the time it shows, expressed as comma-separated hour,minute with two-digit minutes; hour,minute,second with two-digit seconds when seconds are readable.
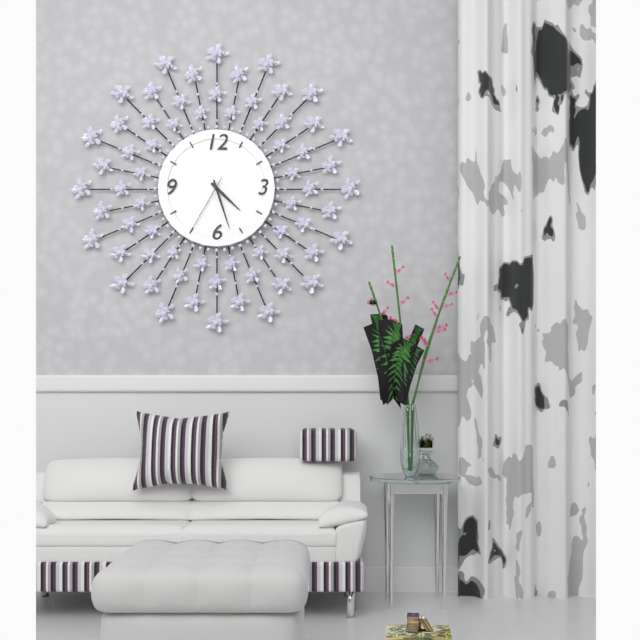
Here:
4,27,35
